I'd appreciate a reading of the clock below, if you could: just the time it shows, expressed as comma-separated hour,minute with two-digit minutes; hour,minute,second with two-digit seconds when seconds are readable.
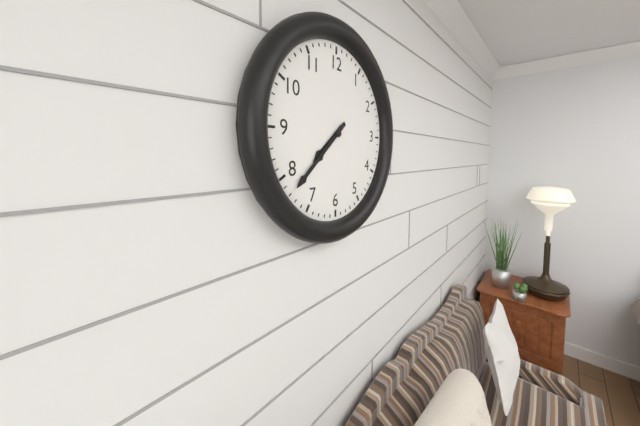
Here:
7,38
